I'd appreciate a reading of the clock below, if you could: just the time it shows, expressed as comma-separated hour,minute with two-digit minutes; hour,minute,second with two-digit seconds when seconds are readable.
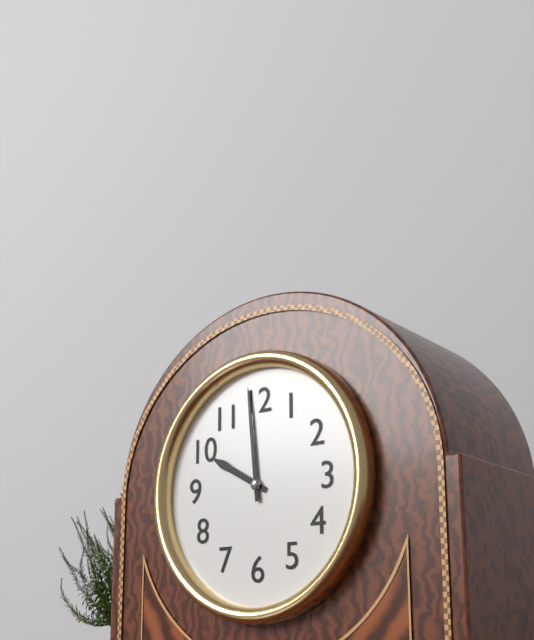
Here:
9,59
